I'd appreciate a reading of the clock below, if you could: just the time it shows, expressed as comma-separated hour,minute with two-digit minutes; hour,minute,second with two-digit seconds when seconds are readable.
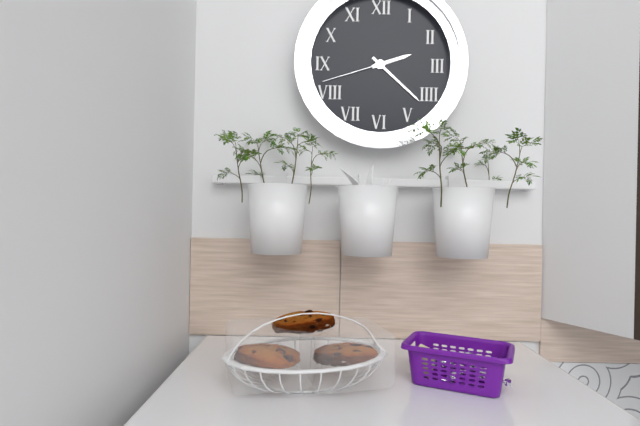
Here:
2,22,42
